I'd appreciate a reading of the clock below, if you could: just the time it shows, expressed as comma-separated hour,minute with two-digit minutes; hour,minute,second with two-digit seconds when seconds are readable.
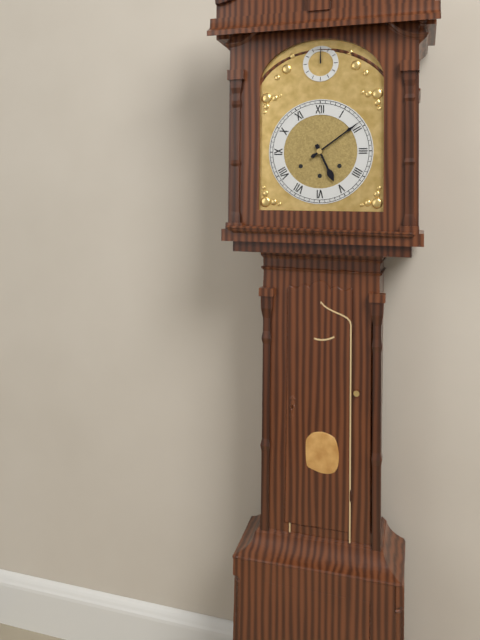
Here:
5,09
